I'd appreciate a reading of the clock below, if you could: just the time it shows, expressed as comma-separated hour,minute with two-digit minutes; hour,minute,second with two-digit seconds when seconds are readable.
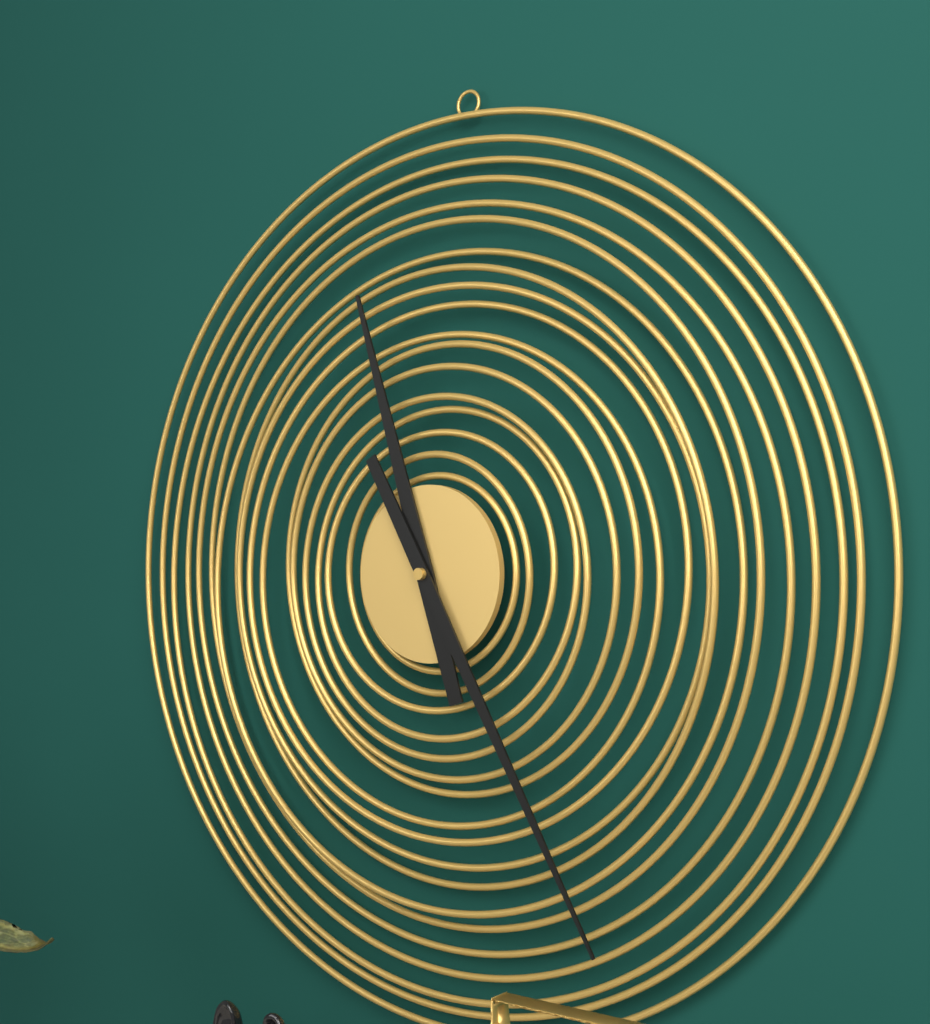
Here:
11,25
